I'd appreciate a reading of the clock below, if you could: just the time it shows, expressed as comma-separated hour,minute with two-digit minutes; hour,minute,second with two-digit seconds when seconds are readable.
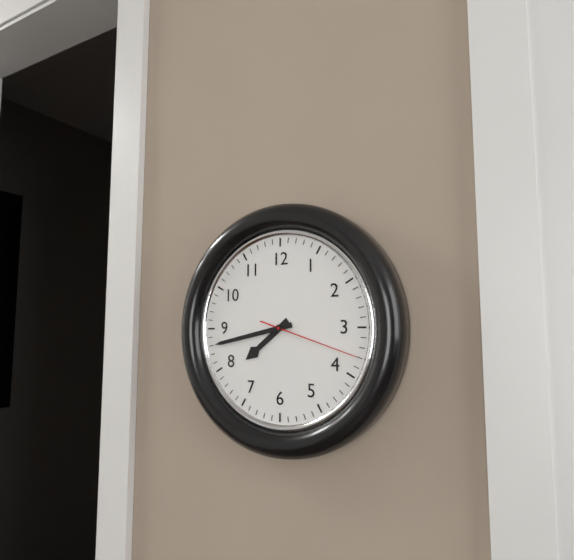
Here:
7,43,18
